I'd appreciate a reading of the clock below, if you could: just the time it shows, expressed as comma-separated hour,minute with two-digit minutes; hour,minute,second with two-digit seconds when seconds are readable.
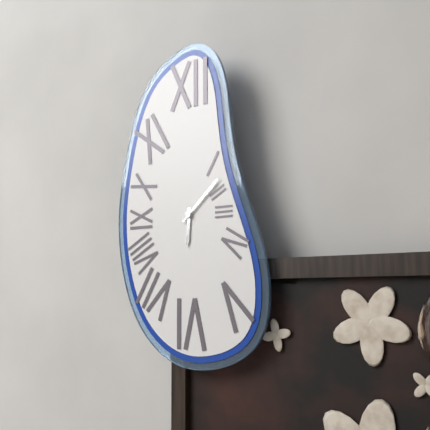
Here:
6,08
